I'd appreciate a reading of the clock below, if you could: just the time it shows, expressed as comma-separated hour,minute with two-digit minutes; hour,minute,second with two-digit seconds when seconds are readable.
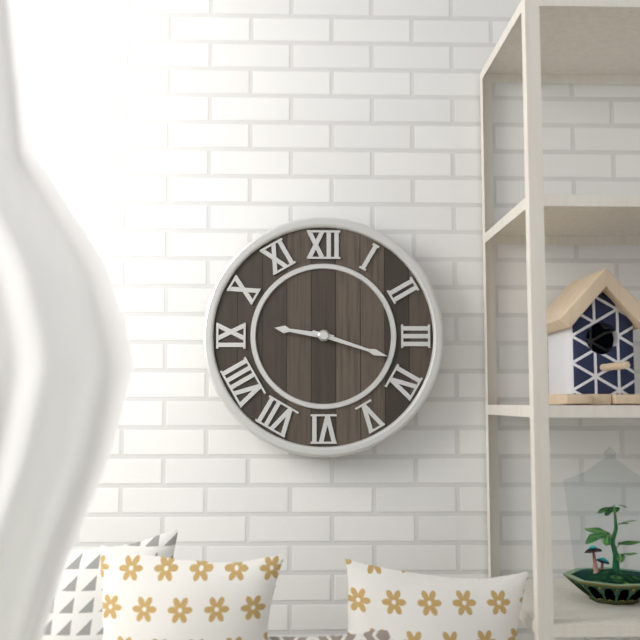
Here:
9,18
